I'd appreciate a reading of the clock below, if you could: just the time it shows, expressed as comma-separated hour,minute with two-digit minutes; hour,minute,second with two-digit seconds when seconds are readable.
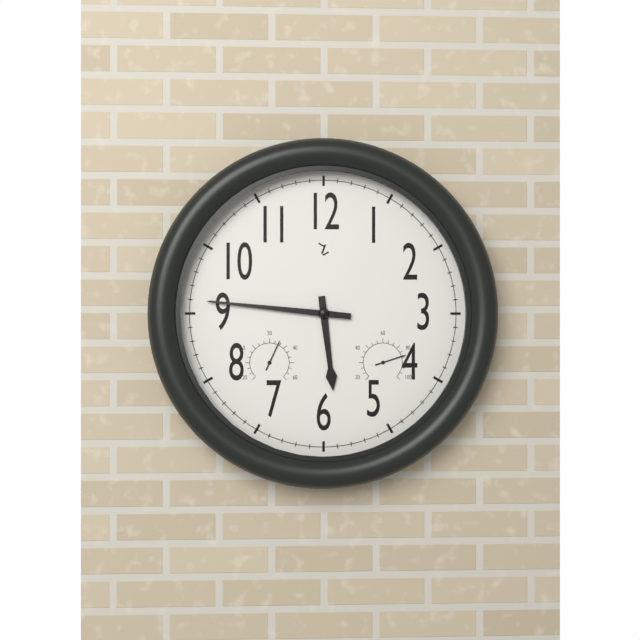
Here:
5,46
